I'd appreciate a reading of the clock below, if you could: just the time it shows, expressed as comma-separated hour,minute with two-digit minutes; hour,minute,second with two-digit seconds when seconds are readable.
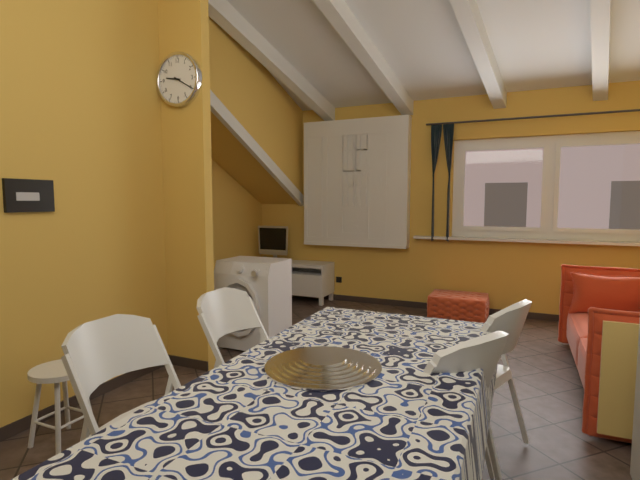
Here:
9,20
